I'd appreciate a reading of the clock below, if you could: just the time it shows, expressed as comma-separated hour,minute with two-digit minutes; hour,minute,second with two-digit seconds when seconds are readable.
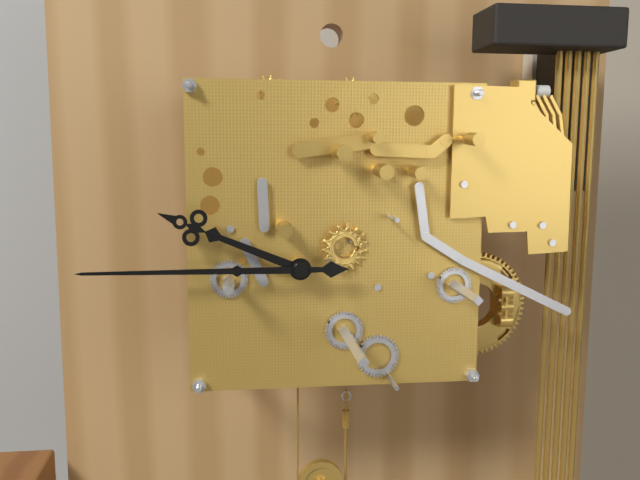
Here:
9,45
